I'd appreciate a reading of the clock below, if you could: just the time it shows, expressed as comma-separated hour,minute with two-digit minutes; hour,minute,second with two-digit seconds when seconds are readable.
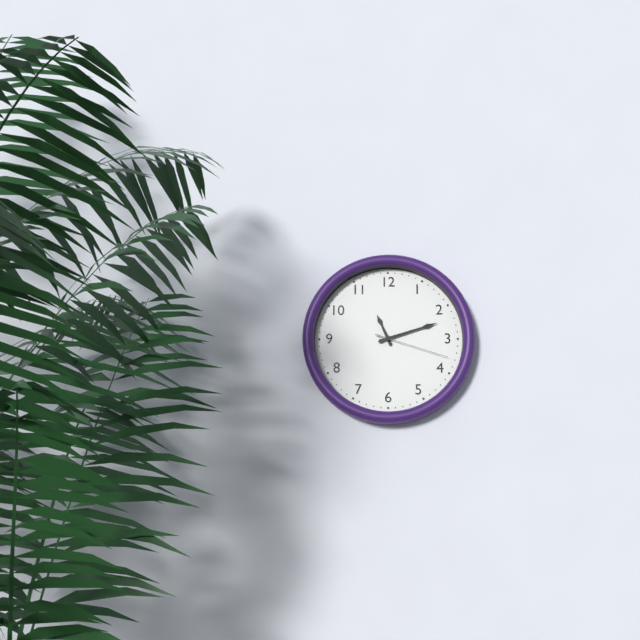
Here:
11,12,18
